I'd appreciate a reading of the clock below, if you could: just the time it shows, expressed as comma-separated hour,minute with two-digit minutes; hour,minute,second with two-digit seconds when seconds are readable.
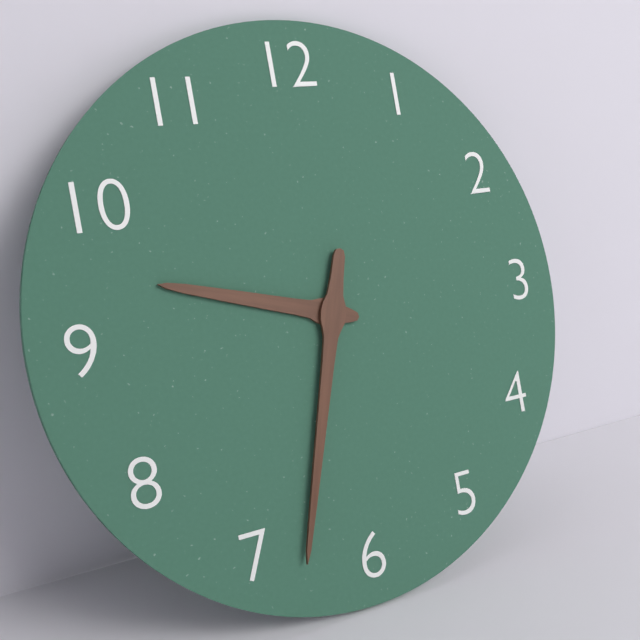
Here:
9,33
